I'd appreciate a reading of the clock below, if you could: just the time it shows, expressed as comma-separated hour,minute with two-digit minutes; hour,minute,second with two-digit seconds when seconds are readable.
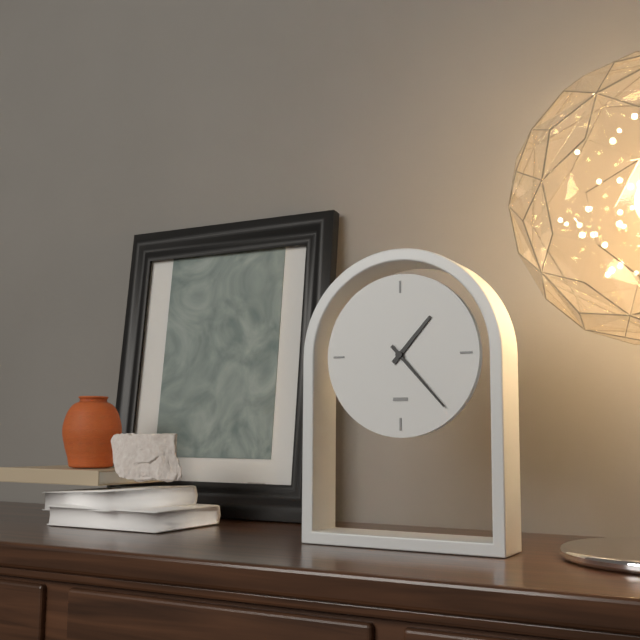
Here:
1,23
